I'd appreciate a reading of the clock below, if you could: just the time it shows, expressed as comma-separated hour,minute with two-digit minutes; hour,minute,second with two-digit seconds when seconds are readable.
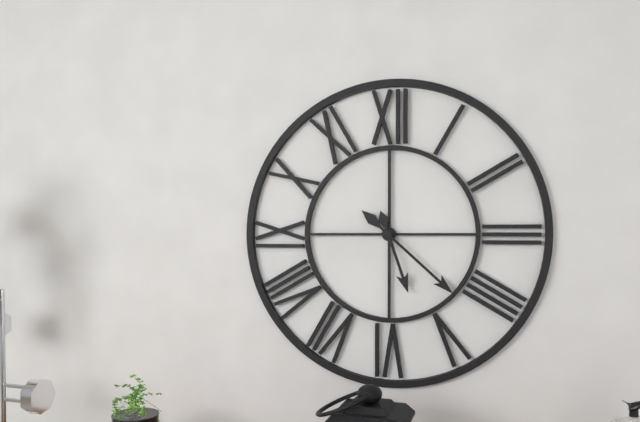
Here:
5,22
